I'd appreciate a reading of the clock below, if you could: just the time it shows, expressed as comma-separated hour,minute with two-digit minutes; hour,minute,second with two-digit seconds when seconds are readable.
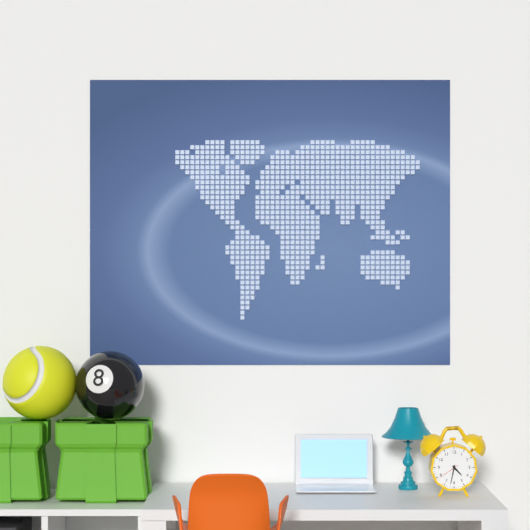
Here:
4,32
